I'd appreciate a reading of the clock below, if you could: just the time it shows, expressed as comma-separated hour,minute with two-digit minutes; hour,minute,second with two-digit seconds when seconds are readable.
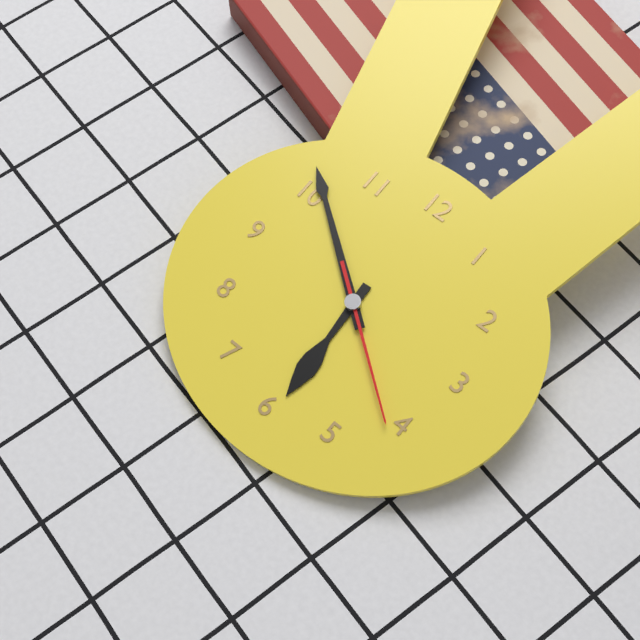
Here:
5,51,21
